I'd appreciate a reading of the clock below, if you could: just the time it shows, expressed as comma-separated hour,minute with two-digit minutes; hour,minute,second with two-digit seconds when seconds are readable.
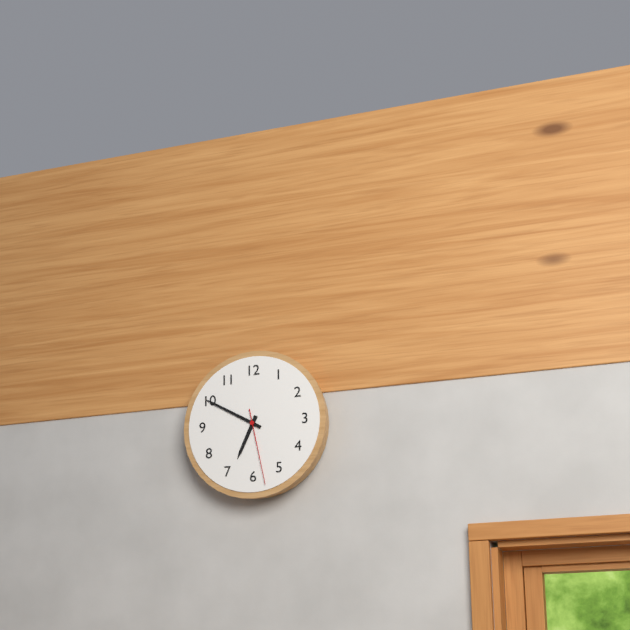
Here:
6,50,28
